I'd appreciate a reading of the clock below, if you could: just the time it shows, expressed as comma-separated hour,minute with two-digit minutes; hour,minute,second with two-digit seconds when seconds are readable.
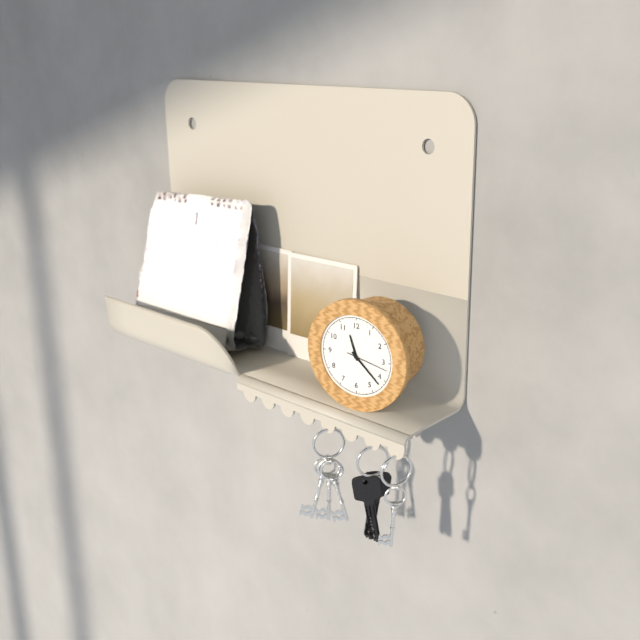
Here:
11,22
